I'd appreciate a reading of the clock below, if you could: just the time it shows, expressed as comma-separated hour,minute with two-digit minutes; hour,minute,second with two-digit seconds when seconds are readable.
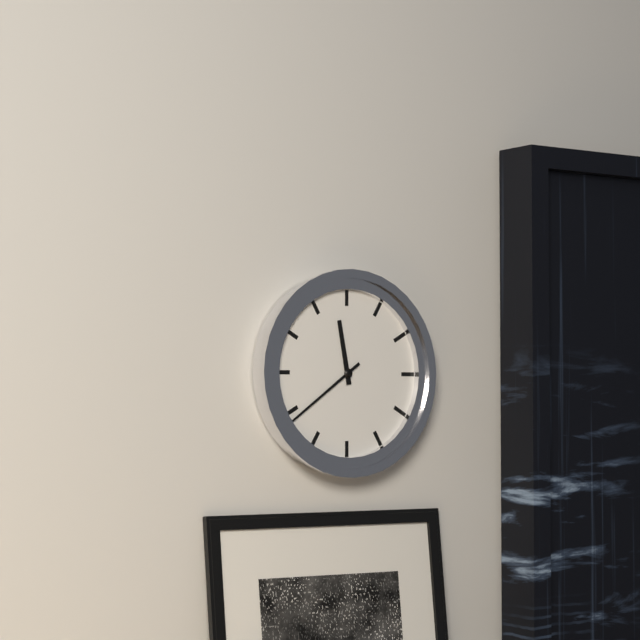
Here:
11,39
